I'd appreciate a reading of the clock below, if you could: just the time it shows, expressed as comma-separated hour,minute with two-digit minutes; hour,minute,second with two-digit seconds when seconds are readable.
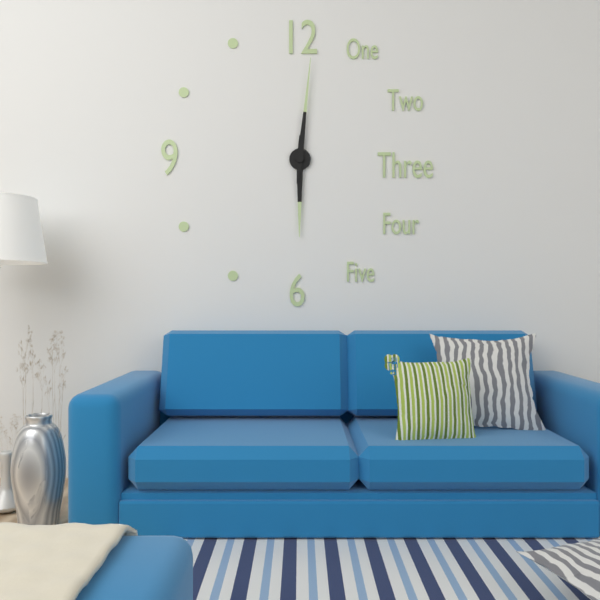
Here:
6,01
